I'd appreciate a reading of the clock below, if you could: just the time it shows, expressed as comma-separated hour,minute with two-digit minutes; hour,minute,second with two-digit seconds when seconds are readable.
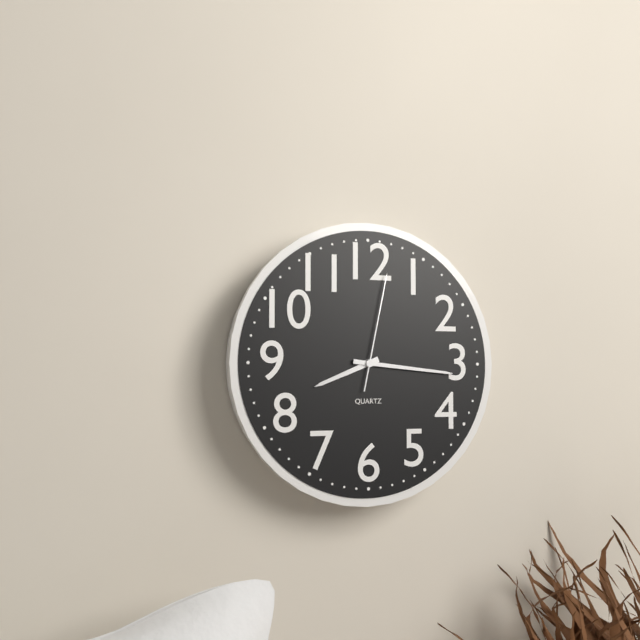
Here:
8,16,02
